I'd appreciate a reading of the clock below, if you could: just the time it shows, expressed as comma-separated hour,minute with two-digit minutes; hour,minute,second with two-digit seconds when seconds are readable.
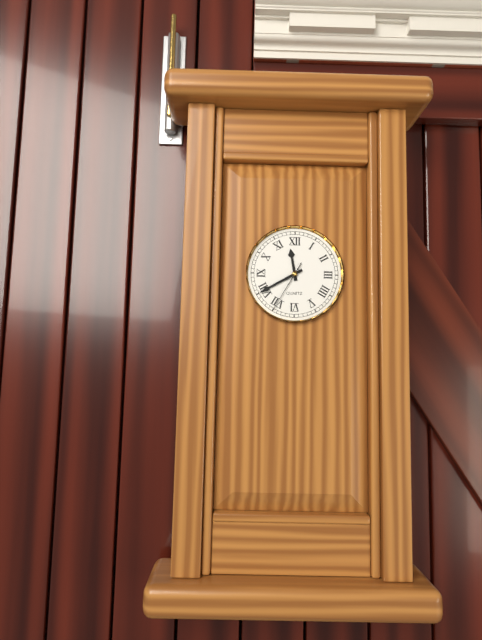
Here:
11,40,35
